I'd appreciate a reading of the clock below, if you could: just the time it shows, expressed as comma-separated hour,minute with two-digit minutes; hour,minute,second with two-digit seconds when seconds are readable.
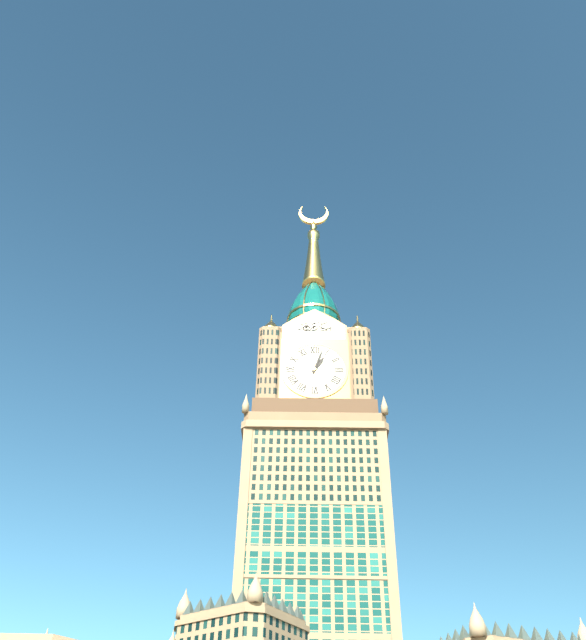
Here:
1,03
